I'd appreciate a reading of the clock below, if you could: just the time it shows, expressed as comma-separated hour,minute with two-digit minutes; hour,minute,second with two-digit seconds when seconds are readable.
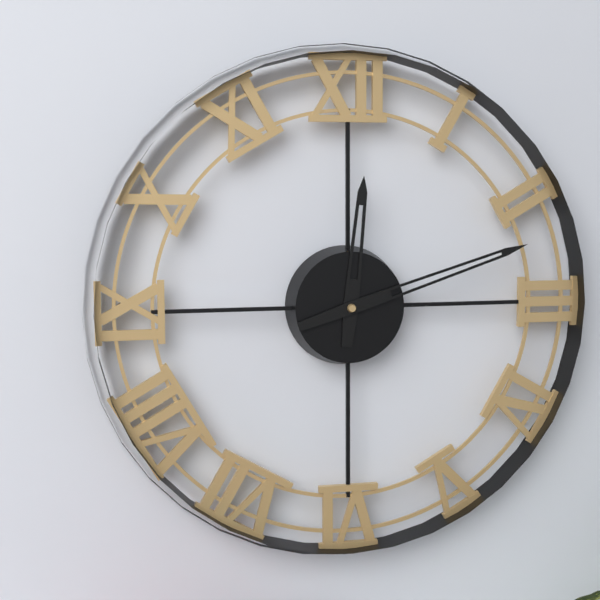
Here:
12,12
